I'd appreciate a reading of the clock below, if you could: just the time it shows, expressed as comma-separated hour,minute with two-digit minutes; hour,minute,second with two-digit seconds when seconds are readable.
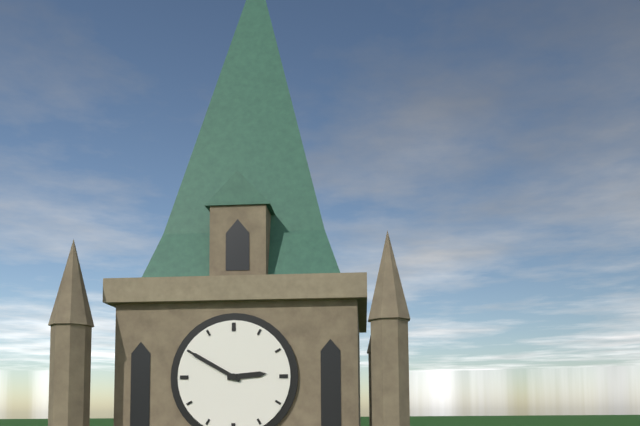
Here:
2,50
